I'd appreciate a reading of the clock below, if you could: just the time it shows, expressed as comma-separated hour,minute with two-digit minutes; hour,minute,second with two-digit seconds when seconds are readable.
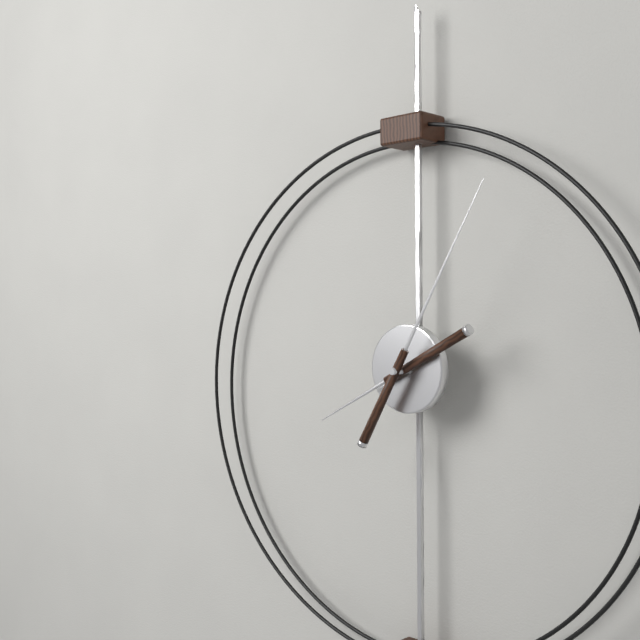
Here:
8,05
